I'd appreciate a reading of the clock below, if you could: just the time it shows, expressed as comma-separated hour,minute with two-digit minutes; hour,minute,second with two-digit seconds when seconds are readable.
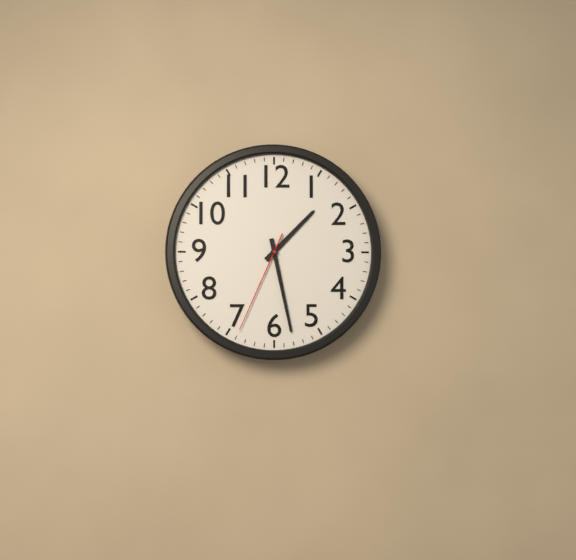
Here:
1,28,34
